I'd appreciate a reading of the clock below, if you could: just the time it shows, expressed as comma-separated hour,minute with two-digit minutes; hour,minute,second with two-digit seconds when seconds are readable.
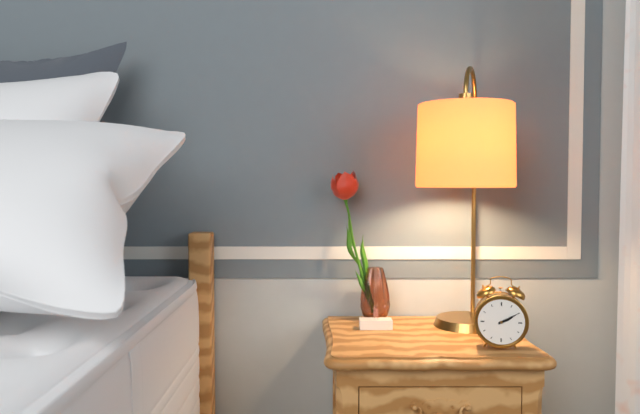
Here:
2,10
